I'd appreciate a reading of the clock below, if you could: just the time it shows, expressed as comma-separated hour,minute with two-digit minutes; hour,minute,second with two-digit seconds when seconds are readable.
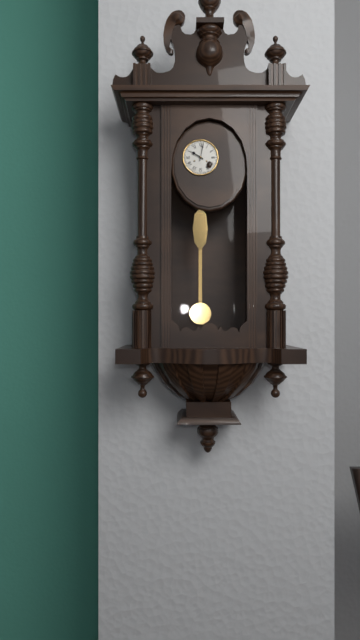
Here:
10,02
